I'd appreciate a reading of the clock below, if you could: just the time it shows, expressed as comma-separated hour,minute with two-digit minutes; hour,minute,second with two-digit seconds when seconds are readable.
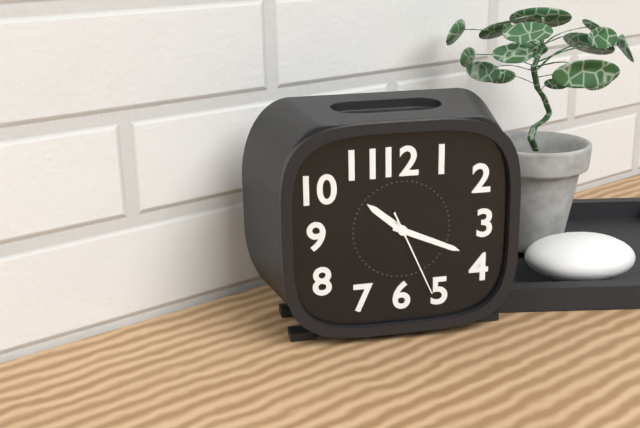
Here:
10,19,26
